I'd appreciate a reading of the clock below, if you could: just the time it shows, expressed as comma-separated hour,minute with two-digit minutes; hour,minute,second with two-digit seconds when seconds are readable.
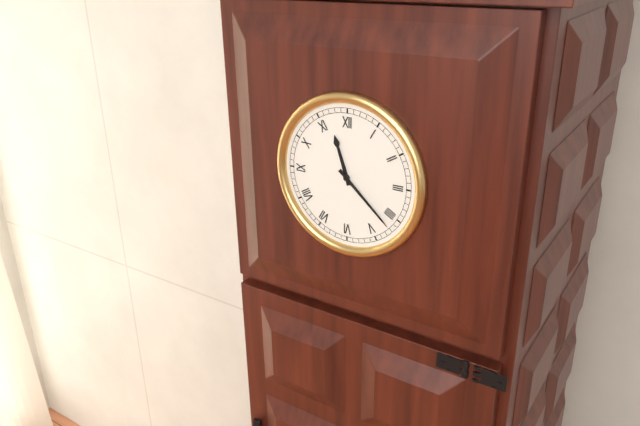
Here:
11,22
